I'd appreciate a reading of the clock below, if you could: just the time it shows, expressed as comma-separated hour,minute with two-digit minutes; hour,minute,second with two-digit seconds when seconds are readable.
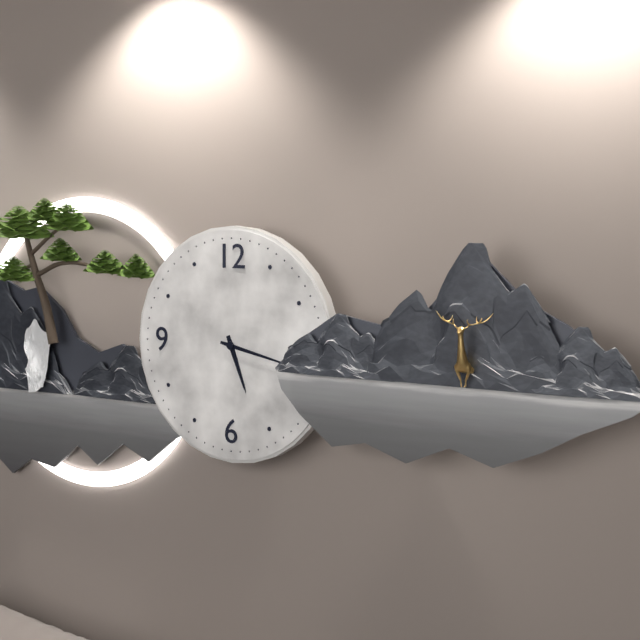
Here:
5,17
